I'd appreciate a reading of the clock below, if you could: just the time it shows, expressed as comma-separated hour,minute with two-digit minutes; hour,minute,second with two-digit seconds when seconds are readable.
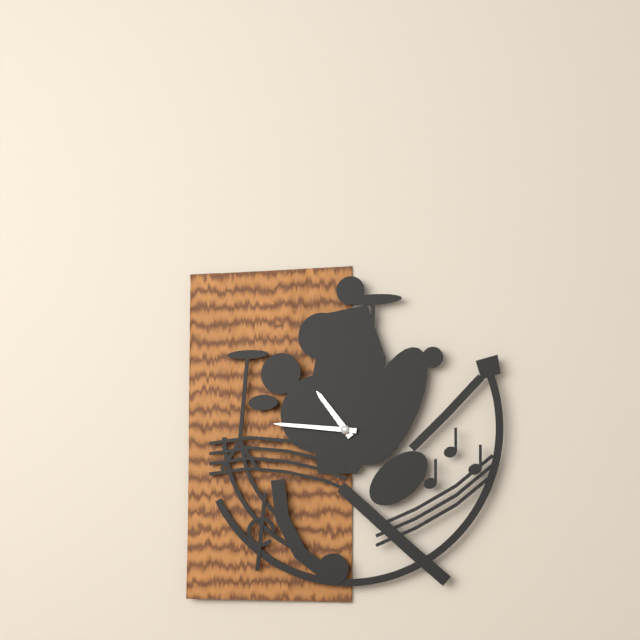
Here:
10,46
